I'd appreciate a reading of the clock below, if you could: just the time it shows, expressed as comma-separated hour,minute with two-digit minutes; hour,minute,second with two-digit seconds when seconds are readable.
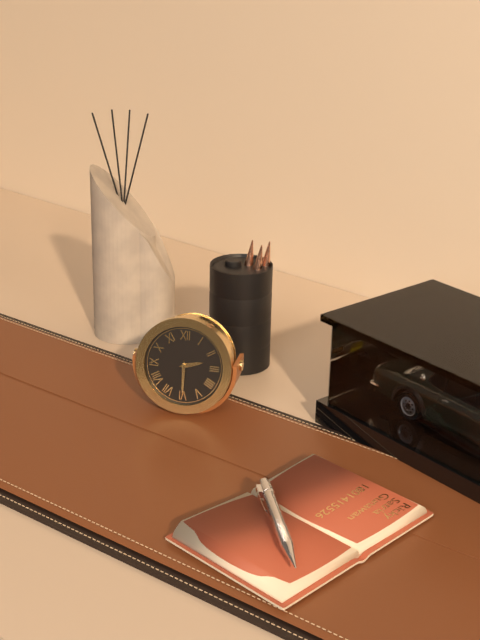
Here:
2,30
